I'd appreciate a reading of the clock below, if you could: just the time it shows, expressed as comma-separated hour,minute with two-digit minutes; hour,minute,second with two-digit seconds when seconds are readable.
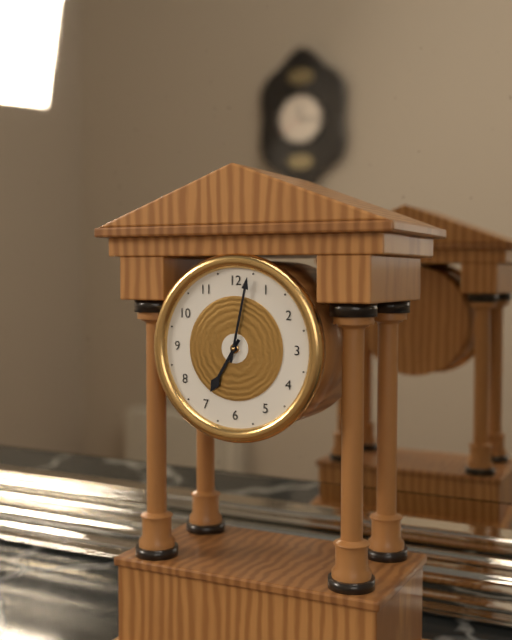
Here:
7,02
